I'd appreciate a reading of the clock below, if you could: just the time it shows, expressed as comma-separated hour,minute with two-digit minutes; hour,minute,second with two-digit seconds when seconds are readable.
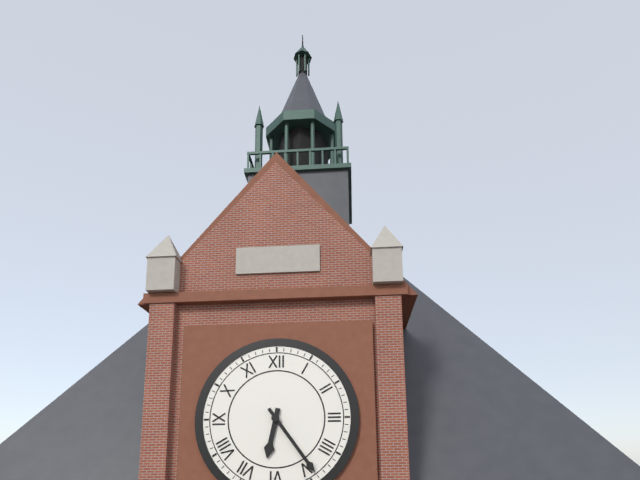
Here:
6,24
